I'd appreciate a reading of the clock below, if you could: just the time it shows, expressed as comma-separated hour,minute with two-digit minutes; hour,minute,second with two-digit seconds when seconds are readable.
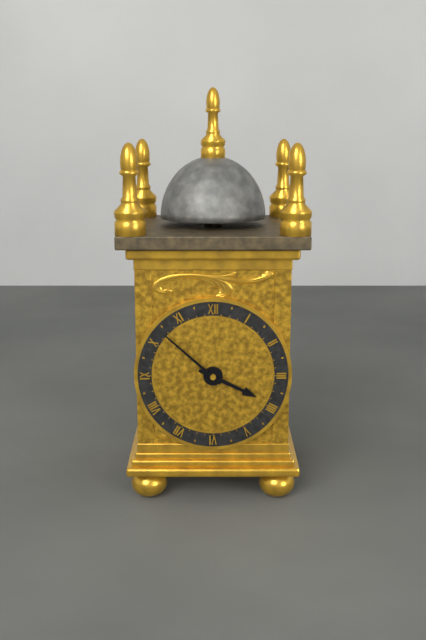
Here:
3,52
